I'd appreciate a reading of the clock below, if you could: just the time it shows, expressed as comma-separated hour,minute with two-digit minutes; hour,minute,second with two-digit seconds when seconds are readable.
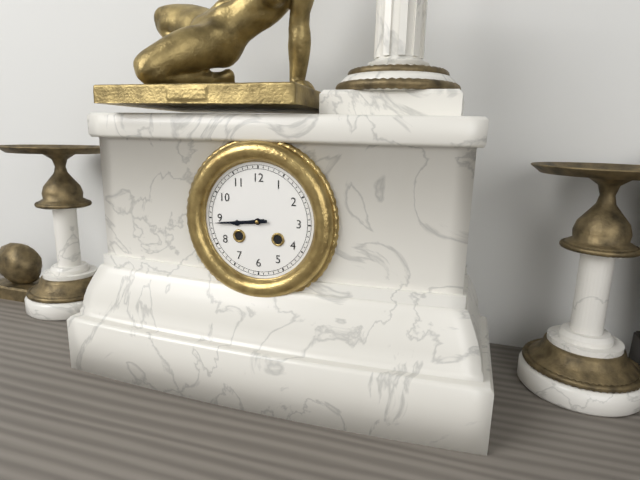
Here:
8,44
